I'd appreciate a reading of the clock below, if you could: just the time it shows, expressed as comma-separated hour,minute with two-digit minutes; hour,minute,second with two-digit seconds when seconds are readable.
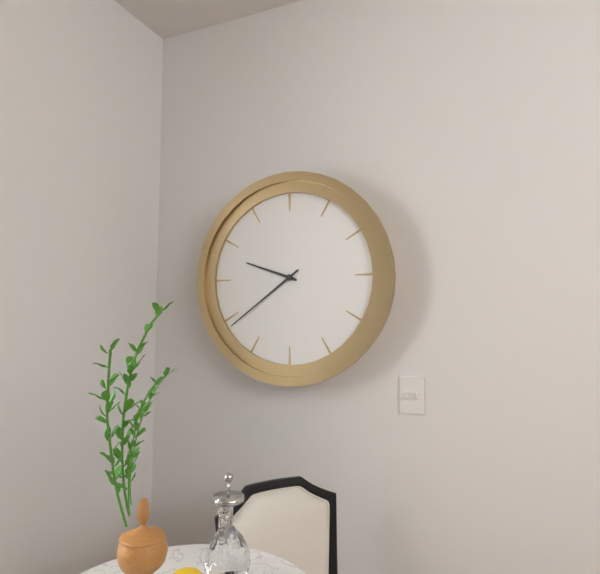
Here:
9,39
